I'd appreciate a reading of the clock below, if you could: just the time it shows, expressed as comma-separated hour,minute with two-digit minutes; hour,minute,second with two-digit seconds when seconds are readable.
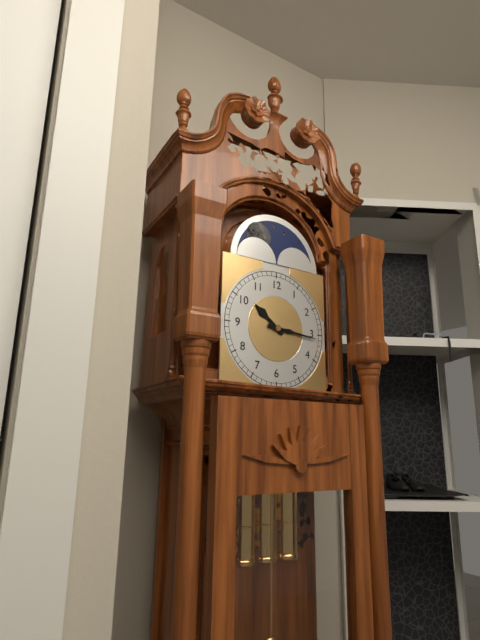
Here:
10,16
